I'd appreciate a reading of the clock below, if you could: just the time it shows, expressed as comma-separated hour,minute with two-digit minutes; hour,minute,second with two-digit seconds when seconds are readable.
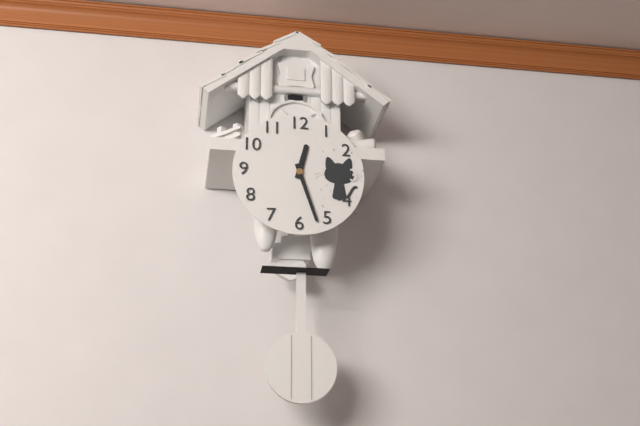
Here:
12,27
